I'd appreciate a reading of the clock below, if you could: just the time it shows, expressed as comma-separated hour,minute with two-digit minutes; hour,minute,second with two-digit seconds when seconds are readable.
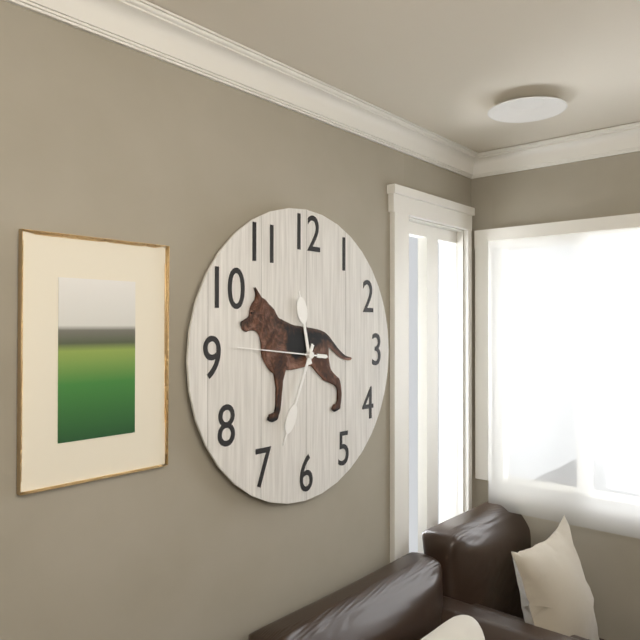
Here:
11,34,46
